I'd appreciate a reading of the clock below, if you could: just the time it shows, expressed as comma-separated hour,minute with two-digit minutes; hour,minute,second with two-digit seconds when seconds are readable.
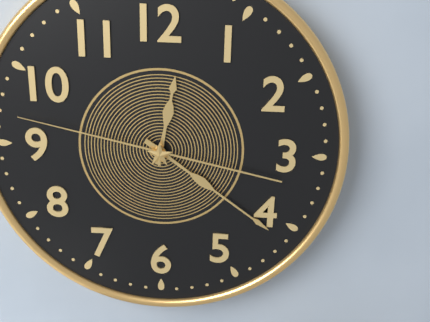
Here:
12,21,47
